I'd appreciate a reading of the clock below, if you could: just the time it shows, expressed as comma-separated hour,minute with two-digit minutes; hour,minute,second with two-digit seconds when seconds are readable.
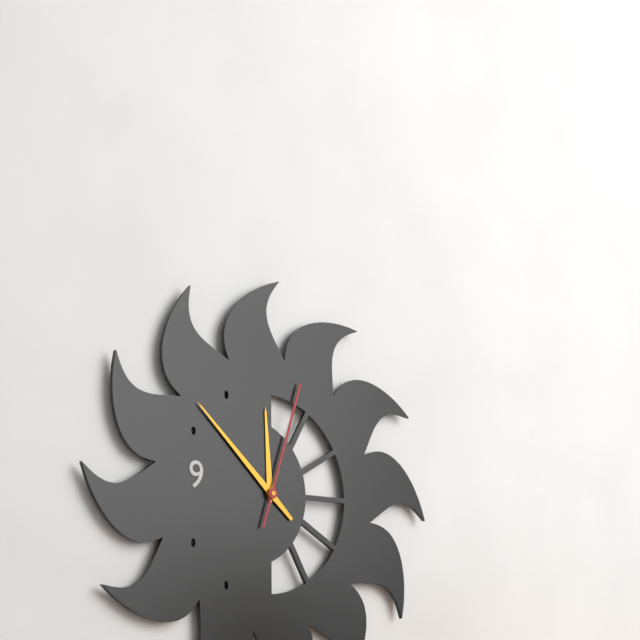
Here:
11,52,03
